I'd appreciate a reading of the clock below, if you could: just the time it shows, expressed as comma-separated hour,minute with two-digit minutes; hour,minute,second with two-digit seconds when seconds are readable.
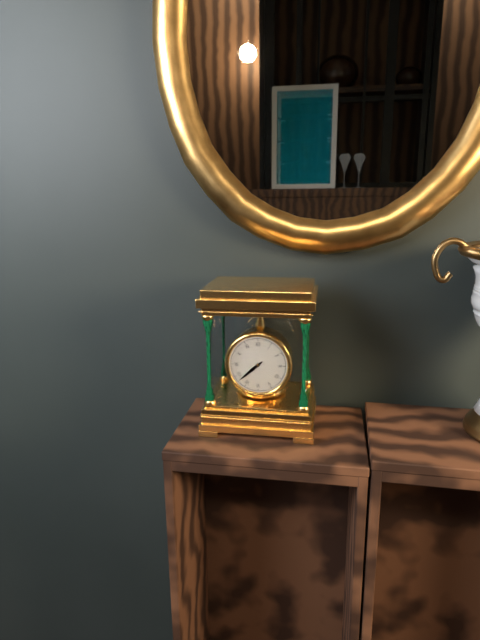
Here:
7,38
